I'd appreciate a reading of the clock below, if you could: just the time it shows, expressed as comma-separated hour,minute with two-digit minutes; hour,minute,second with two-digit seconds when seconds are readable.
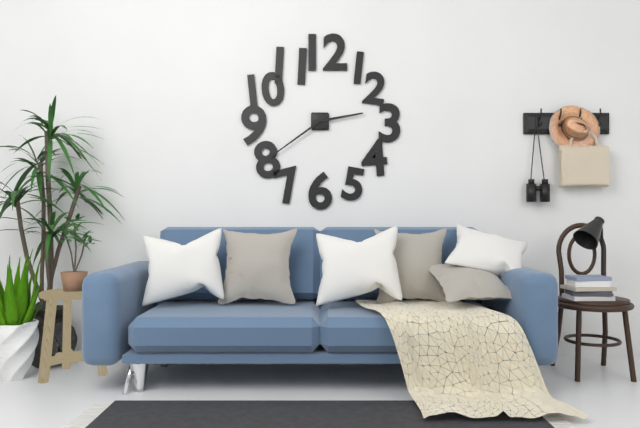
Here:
2,39
